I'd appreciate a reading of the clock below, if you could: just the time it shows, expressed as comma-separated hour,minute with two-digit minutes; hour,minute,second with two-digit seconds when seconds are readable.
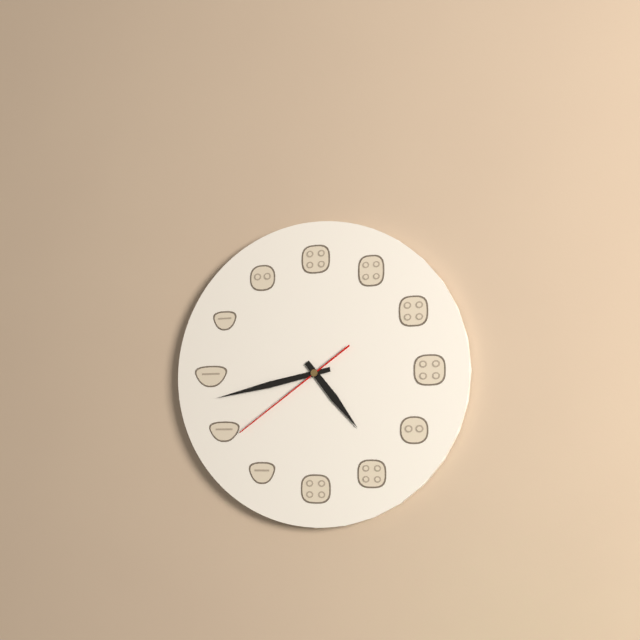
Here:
4,43,39
